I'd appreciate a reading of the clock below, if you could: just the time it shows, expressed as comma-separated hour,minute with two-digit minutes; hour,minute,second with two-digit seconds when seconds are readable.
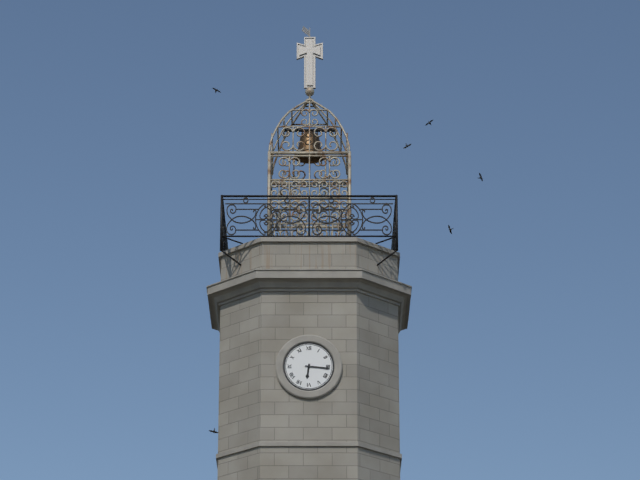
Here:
6,16
